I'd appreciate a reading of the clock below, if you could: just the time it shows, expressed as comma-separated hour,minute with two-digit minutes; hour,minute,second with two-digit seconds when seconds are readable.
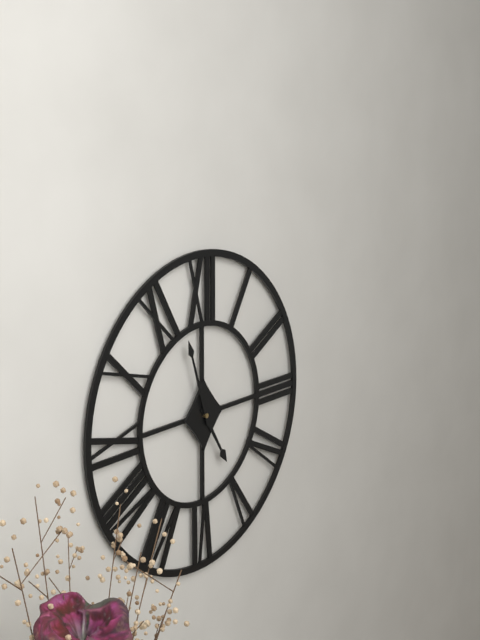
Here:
4,57
